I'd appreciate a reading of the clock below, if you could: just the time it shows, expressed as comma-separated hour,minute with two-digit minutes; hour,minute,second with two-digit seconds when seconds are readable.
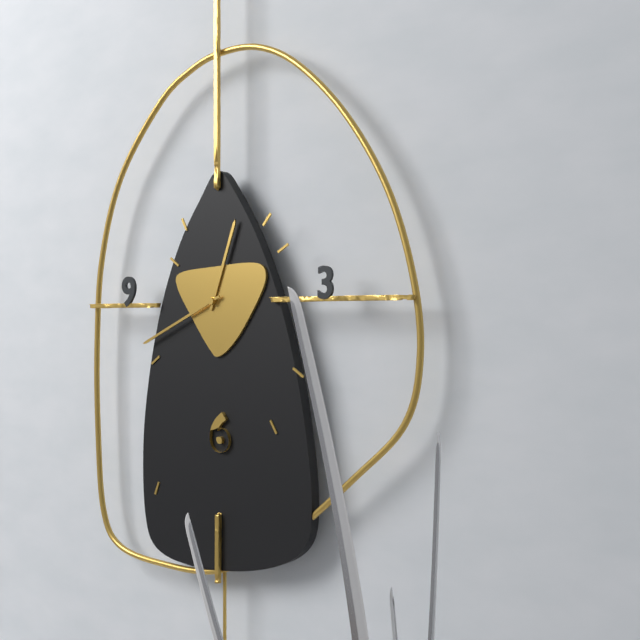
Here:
12,41
